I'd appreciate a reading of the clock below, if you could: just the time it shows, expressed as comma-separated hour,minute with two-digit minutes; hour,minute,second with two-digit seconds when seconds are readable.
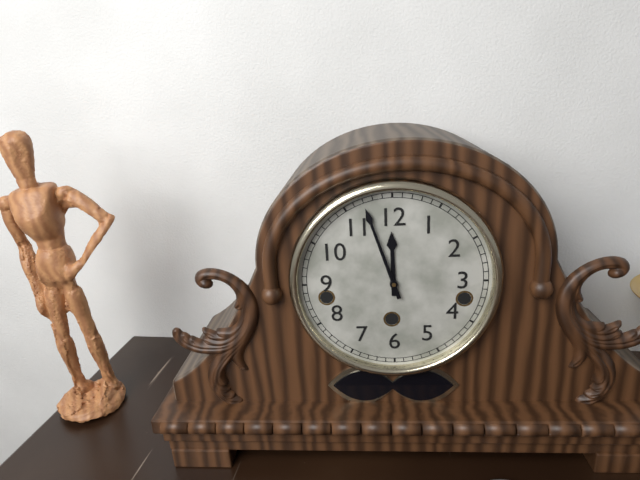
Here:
11,57
